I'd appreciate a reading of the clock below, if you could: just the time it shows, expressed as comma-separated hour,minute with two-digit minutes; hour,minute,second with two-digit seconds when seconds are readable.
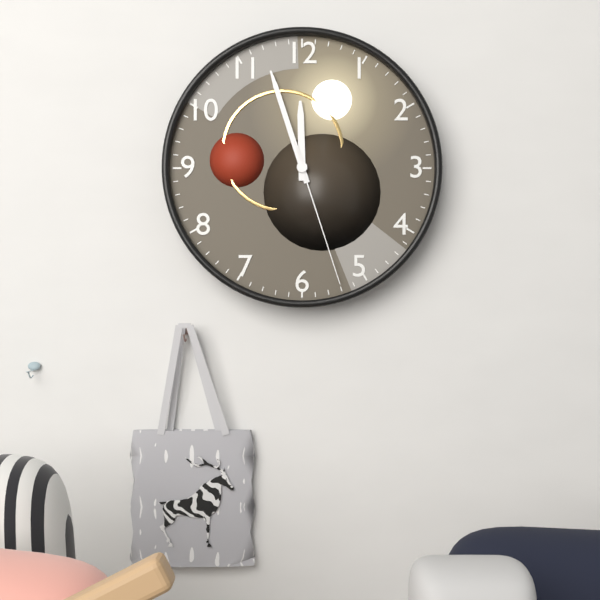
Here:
11,57,27
